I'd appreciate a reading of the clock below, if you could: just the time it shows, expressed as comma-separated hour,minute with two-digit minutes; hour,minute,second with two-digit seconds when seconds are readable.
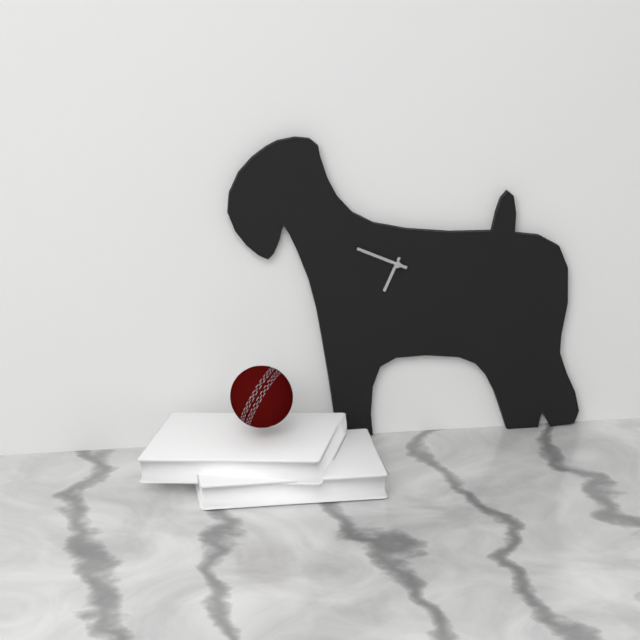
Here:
6,49
